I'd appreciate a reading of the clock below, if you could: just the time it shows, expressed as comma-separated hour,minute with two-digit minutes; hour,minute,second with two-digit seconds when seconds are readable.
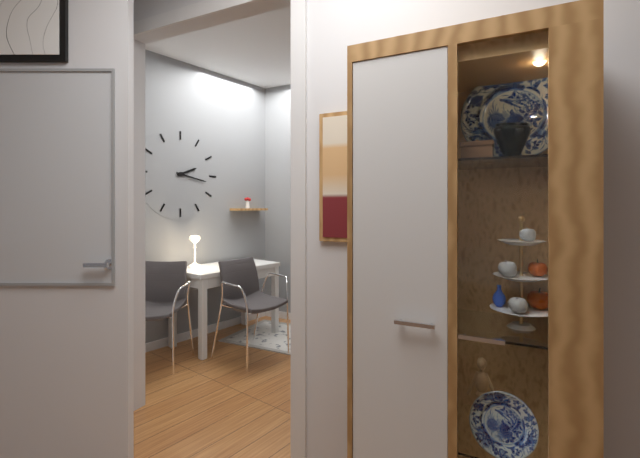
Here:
2,17
